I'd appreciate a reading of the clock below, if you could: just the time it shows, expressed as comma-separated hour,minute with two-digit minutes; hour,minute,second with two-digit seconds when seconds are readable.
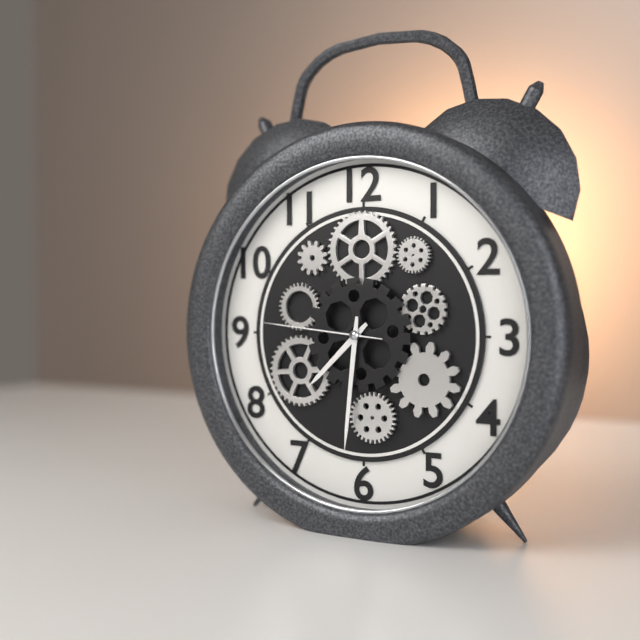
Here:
7,31,46
